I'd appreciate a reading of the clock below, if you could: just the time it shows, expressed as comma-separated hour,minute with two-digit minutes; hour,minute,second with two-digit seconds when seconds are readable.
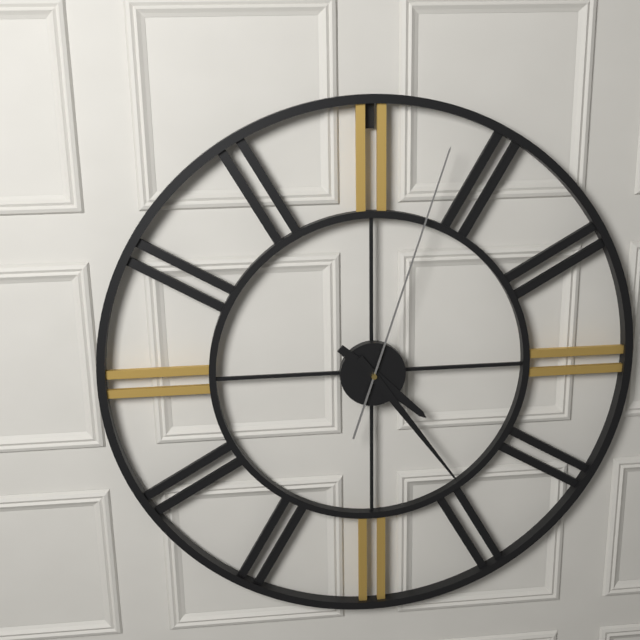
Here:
4,24,03
